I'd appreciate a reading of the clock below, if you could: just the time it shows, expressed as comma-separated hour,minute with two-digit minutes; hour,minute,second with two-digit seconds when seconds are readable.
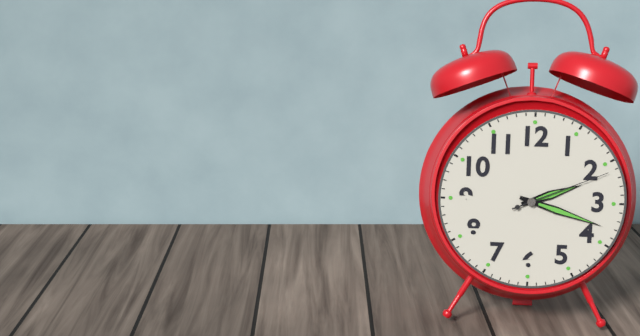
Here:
2,18,11
